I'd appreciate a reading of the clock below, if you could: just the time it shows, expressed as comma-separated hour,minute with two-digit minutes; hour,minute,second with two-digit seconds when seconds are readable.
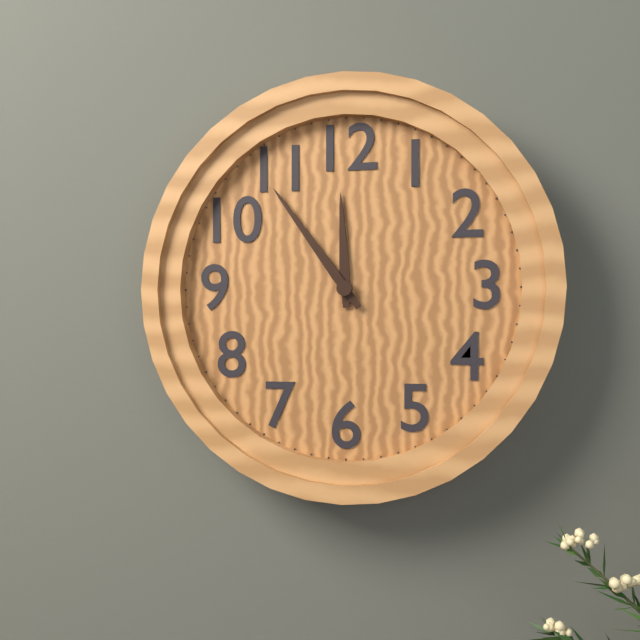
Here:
11,54
